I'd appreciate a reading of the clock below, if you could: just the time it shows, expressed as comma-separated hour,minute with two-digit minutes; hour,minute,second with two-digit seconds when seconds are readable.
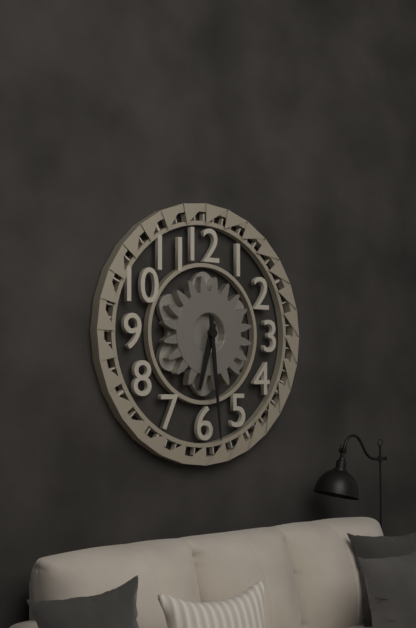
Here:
6,29
